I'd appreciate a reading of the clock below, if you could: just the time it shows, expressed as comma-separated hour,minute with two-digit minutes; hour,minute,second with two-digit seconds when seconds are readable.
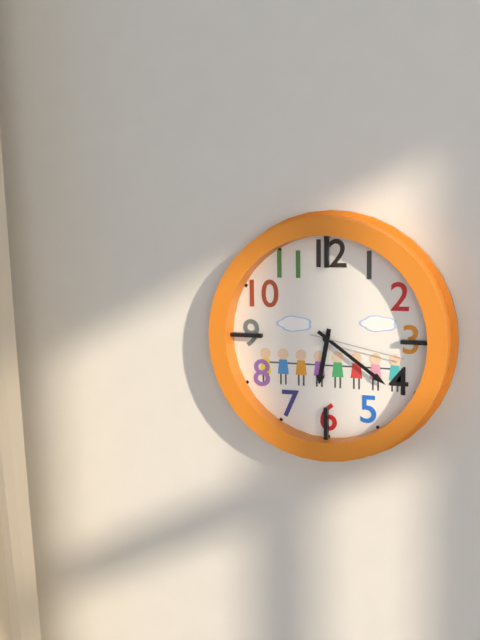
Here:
6,21,17
